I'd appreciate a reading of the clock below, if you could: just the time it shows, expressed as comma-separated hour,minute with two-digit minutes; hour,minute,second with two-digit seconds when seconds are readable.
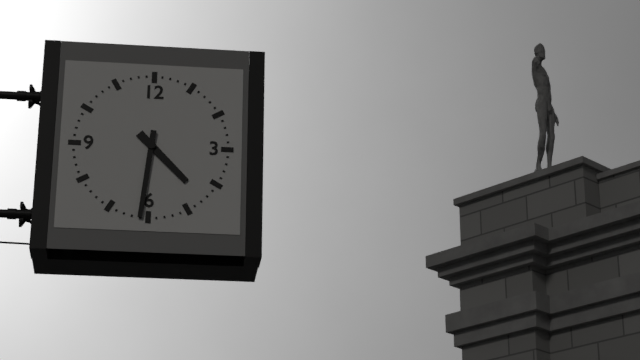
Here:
4,31
